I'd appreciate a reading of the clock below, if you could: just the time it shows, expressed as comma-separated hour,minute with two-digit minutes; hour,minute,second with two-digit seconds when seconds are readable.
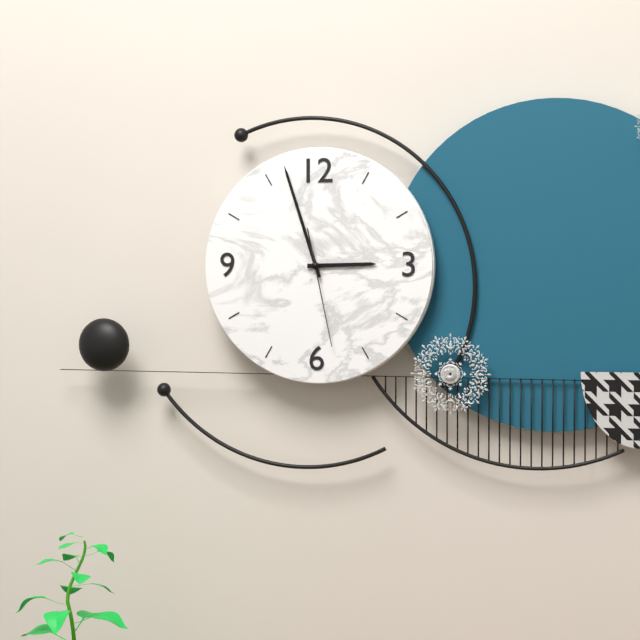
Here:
2,57,28
